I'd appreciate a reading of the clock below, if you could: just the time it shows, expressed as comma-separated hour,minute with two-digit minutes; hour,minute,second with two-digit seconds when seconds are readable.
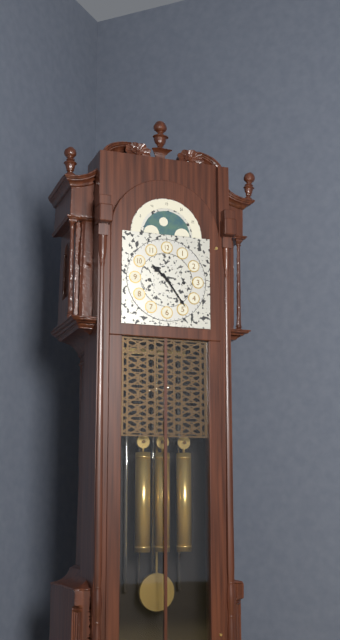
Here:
10,24
